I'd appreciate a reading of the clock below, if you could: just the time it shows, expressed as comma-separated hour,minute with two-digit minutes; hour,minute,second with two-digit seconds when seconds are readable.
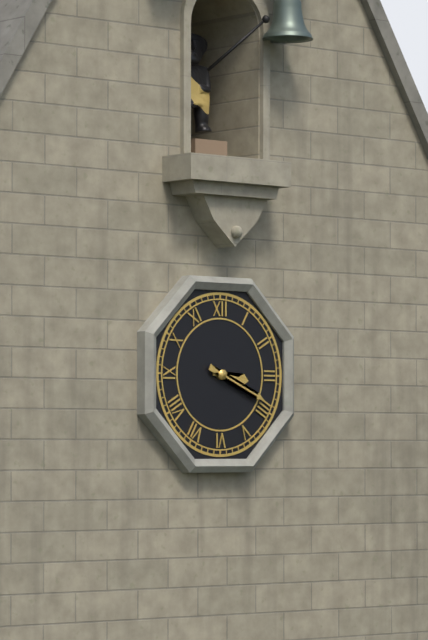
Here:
3,19
